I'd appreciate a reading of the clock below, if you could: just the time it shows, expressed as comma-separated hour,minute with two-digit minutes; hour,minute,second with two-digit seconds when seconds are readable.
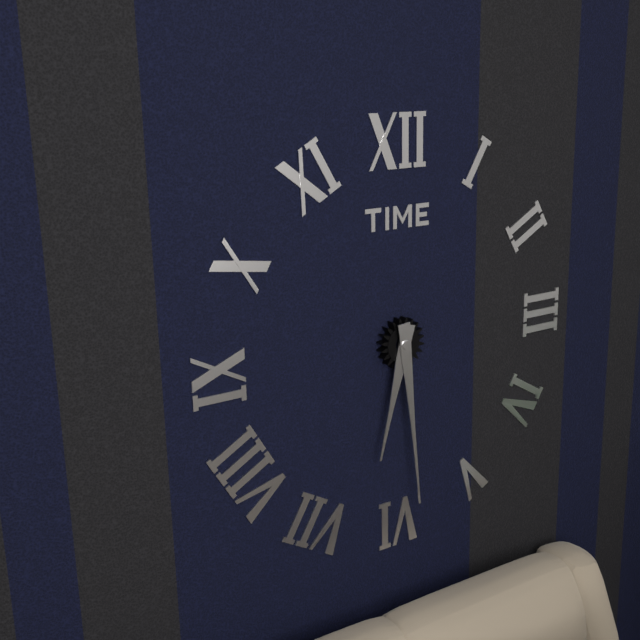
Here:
6,29
